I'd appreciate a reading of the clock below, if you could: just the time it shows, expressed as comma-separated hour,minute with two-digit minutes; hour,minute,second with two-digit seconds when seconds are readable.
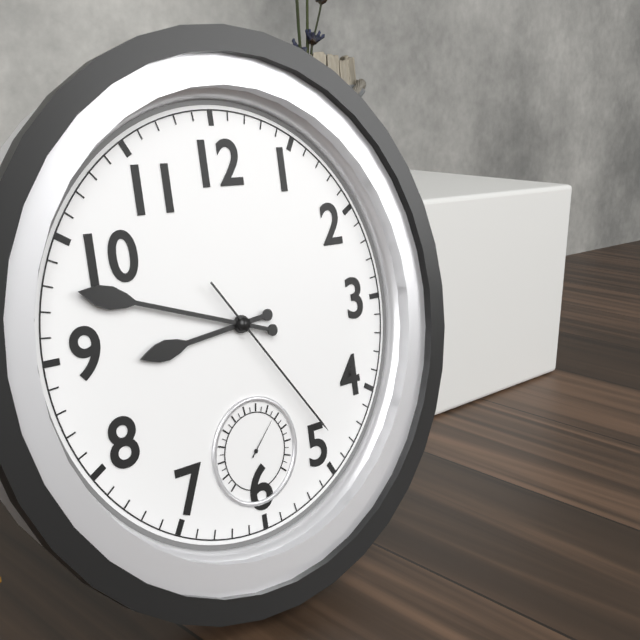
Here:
8,48,24
